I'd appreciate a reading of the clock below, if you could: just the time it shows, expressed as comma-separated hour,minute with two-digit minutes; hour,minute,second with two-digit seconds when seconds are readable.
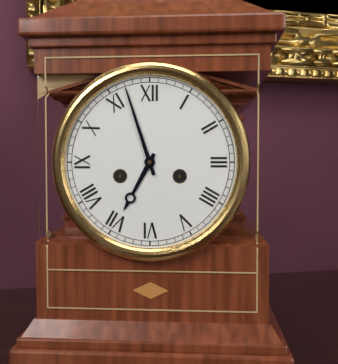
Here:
6,57
